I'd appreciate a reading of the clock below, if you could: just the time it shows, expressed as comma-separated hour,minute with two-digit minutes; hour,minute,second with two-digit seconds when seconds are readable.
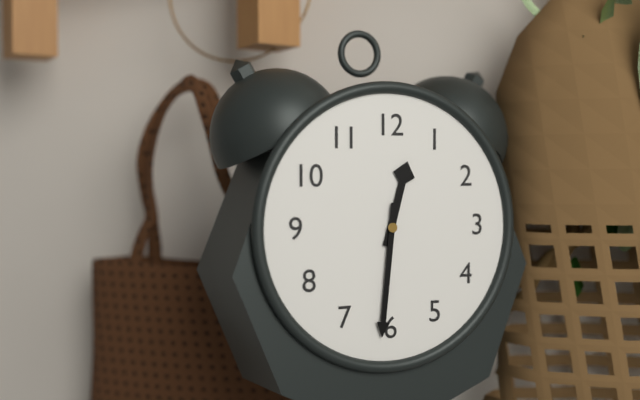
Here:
12,31
